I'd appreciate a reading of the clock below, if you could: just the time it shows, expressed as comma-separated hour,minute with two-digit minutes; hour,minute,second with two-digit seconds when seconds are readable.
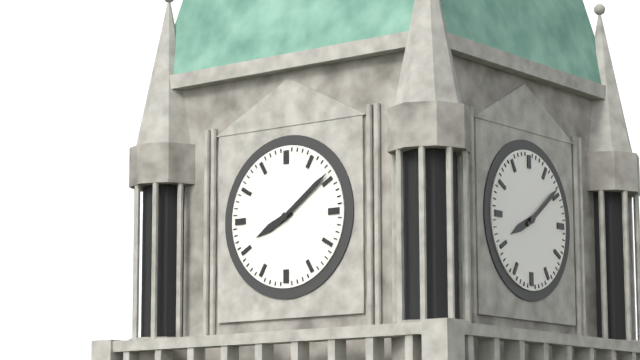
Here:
8,09
